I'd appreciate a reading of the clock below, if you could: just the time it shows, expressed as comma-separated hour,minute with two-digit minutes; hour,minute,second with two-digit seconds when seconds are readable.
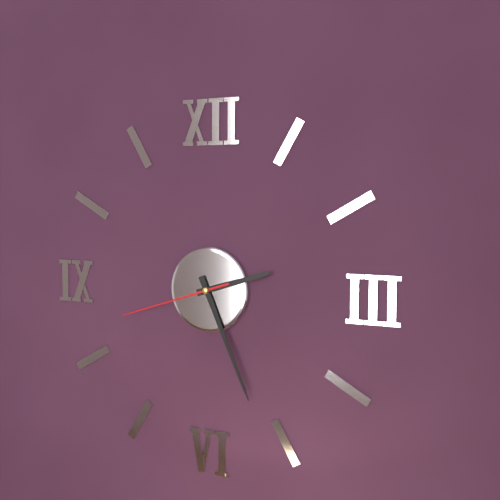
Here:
2,26,42
